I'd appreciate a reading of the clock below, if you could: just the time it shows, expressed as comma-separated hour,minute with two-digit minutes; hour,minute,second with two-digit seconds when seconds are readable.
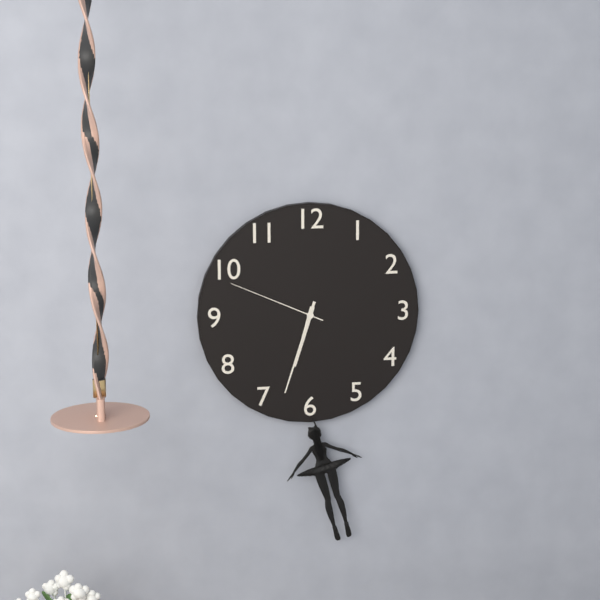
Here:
6,33,49
